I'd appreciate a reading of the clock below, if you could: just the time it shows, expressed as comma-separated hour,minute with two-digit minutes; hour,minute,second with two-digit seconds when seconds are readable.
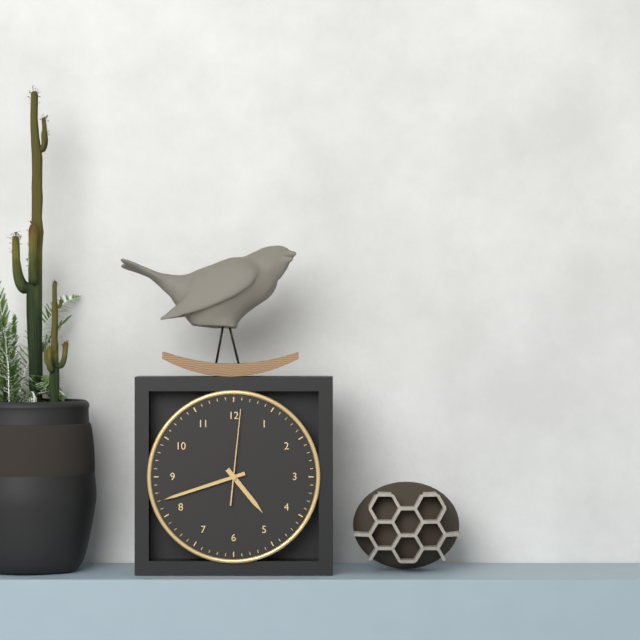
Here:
4,42,01
